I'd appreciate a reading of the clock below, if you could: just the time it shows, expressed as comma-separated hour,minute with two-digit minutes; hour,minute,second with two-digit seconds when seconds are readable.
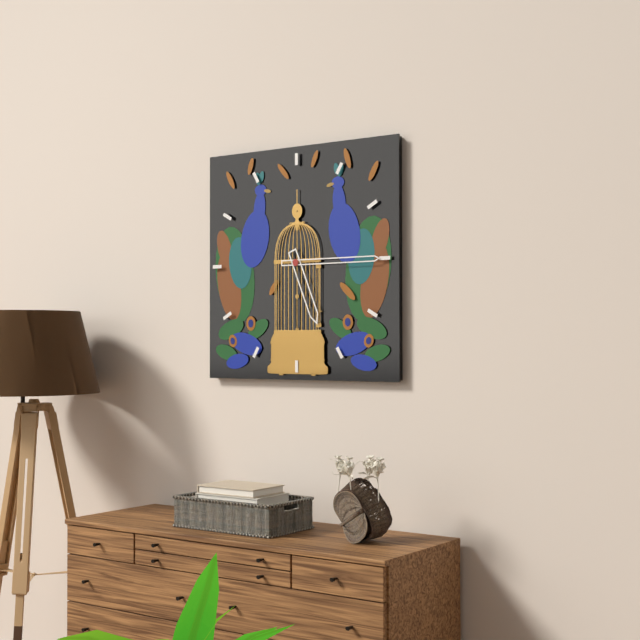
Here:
5,15
